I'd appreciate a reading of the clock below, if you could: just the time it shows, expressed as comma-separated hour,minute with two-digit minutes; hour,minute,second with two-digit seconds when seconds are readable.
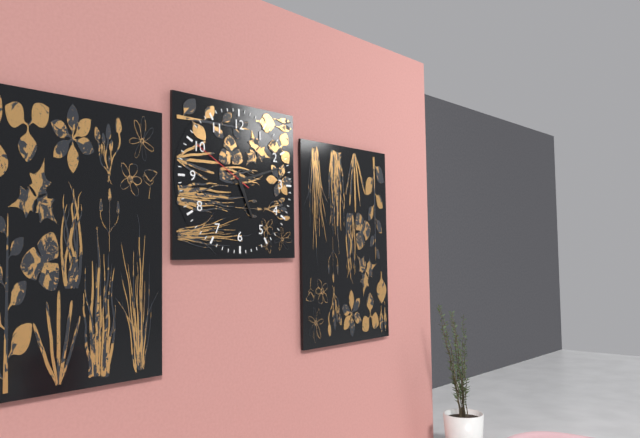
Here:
5,12,50
